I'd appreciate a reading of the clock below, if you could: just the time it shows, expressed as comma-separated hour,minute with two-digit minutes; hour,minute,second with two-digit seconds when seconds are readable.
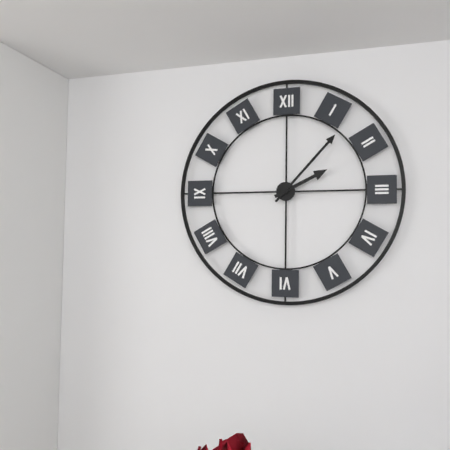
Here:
2,07
